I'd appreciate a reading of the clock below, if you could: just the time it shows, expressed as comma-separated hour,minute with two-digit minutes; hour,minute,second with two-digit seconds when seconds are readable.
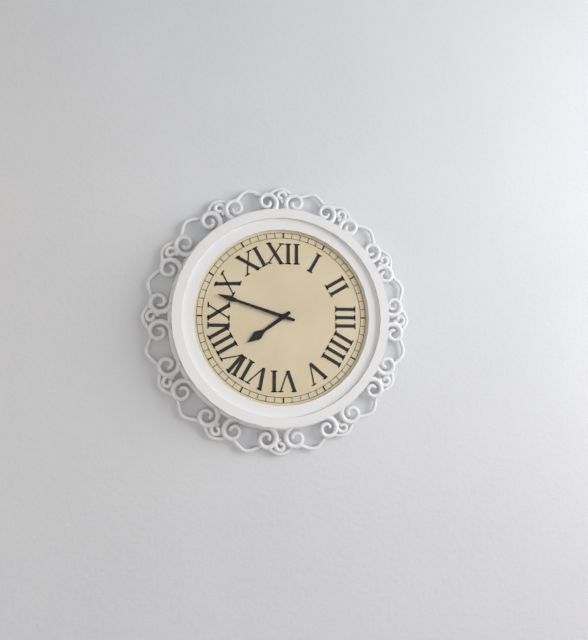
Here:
7,48
